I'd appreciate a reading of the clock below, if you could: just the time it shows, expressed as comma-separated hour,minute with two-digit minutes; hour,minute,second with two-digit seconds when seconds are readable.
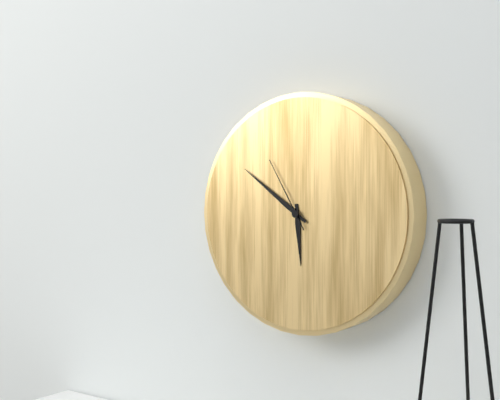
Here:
5,51,55
